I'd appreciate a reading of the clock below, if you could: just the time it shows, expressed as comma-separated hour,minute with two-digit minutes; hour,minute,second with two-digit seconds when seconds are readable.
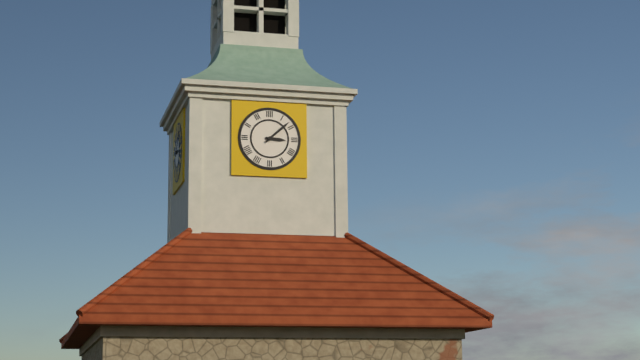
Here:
3,08
